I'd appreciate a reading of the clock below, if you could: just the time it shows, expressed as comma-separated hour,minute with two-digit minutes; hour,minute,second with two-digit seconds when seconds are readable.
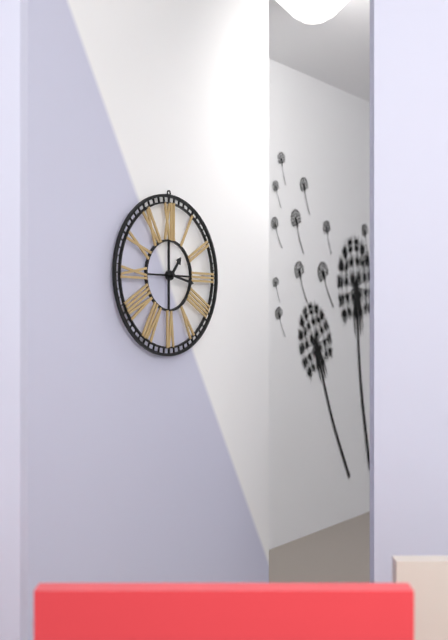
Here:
1,17
